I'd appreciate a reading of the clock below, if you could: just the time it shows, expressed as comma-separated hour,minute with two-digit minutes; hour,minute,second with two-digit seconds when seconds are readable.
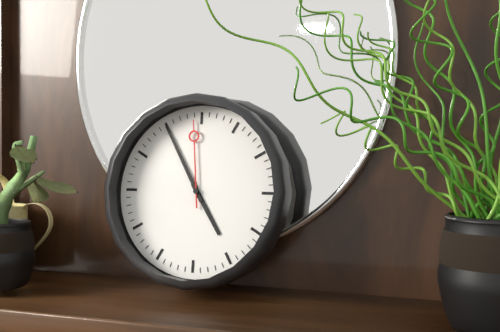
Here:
4,55,59
